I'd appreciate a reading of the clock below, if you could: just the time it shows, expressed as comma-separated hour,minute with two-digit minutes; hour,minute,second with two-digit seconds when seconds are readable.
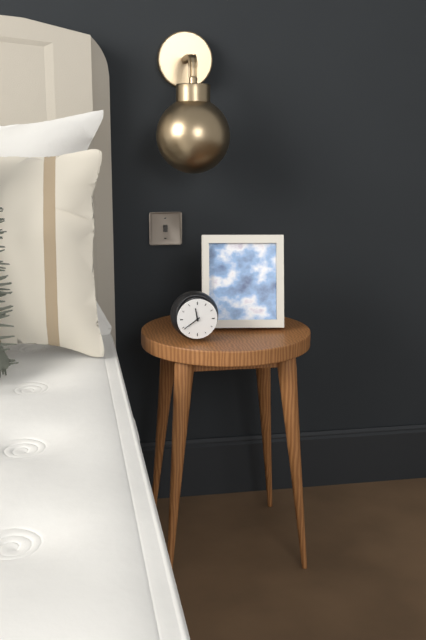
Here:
11,39
